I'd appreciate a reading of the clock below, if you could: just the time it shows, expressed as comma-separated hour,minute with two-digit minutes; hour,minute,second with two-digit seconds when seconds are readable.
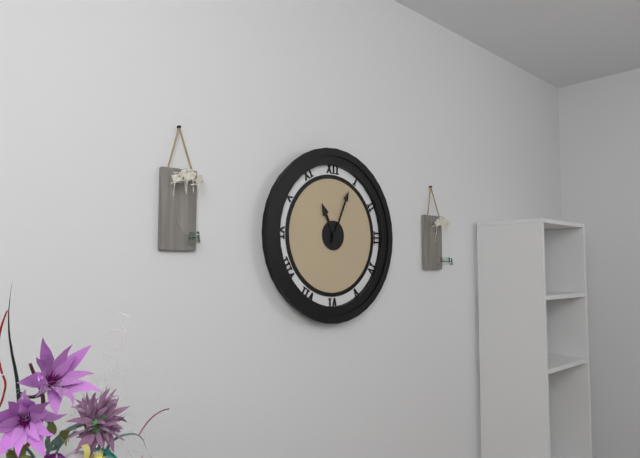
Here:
11,04
